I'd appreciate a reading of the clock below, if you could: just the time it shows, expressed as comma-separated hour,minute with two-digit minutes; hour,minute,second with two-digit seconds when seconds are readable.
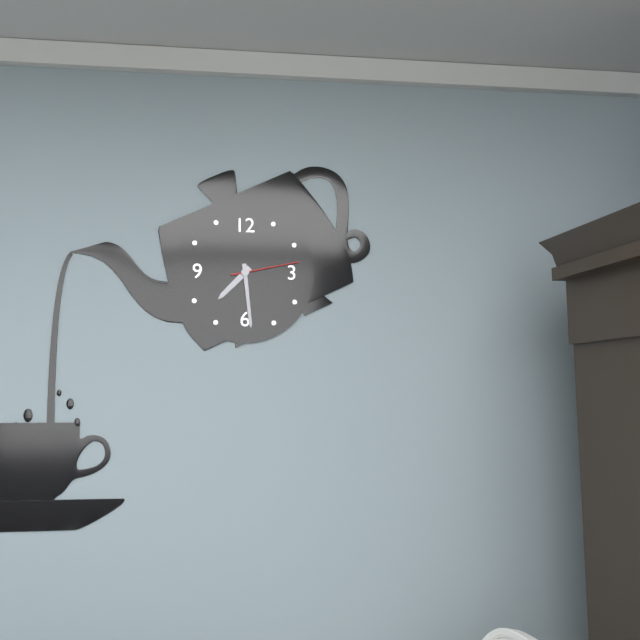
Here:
7,29,13
